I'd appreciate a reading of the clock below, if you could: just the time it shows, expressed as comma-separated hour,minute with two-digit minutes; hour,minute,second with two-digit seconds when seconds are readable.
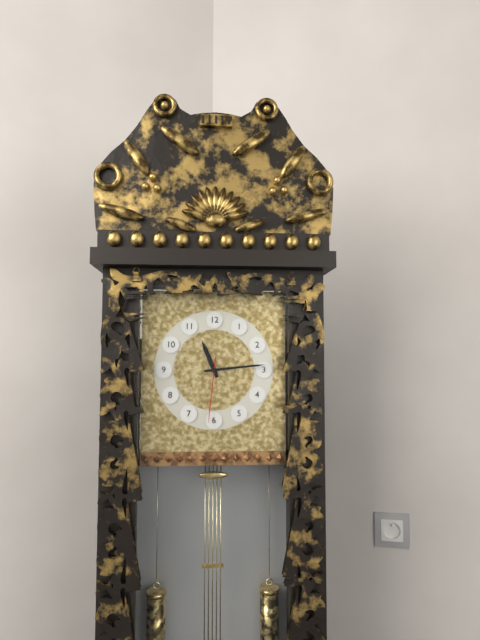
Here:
11,14,31
